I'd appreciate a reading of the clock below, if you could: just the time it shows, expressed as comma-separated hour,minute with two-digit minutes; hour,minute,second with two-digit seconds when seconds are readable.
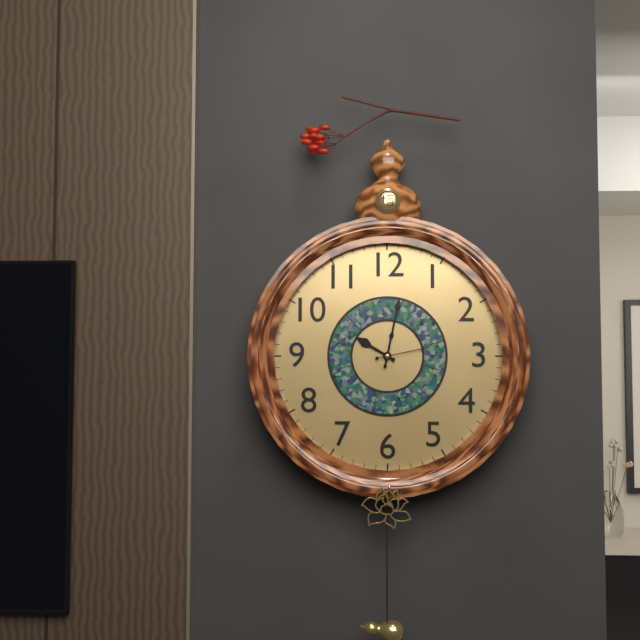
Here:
10,02,13
